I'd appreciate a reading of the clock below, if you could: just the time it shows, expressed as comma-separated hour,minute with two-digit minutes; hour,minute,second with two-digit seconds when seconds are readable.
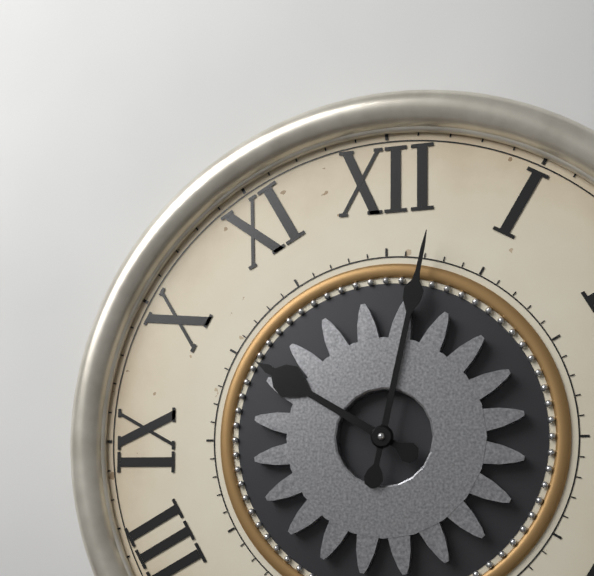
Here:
10,02
